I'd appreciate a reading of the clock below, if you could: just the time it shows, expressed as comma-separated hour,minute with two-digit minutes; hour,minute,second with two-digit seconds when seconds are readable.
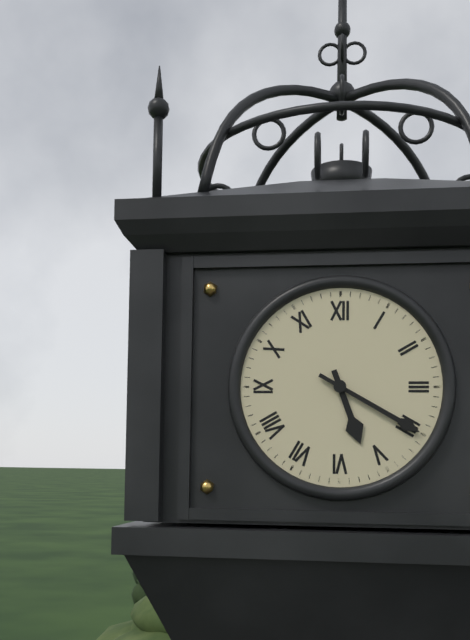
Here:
5,20
